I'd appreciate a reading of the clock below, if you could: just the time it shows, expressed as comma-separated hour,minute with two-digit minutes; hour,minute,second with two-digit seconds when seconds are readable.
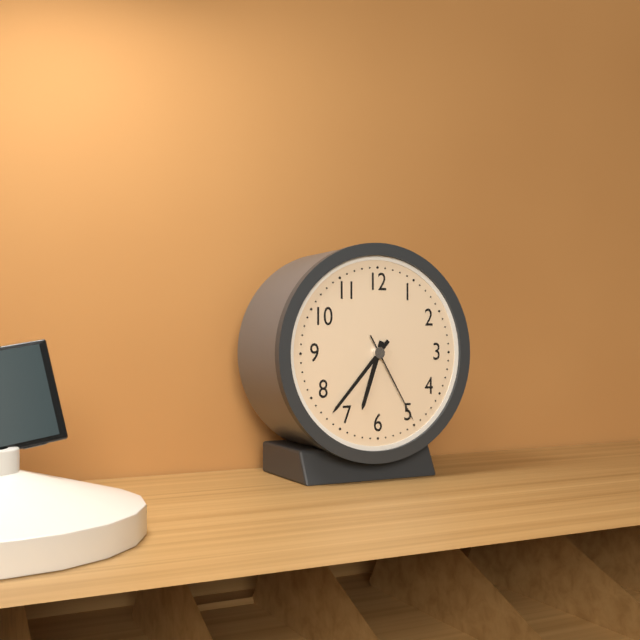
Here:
6,37,25
